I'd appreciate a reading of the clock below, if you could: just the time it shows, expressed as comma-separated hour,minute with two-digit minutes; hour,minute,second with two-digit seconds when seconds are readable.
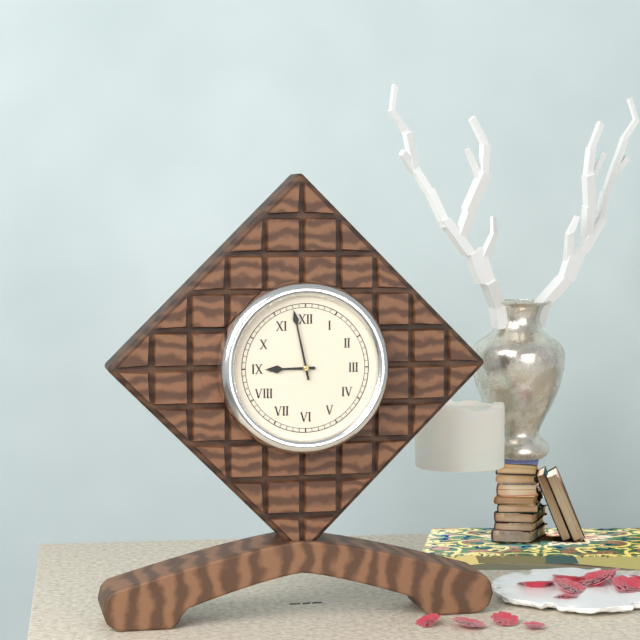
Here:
8,58
